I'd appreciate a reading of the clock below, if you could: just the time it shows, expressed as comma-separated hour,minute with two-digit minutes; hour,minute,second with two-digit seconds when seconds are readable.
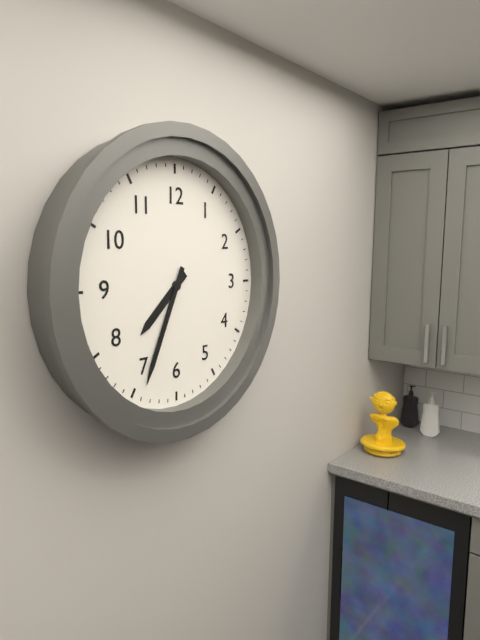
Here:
7,34
